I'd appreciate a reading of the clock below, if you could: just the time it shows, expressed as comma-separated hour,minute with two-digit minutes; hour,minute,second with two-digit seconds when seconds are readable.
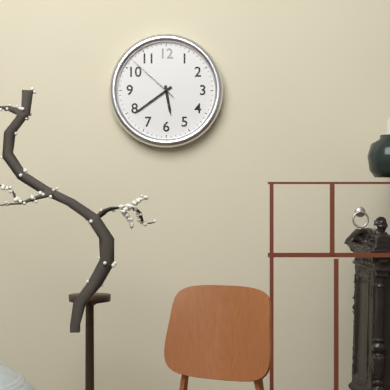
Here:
5,39,52
